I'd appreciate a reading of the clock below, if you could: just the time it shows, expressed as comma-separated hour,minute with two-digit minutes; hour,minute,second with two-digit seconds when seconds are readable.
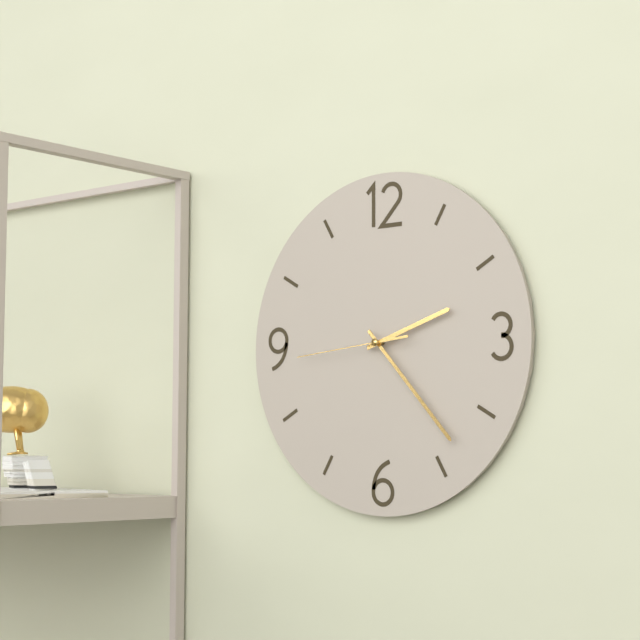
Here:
2,23,44
